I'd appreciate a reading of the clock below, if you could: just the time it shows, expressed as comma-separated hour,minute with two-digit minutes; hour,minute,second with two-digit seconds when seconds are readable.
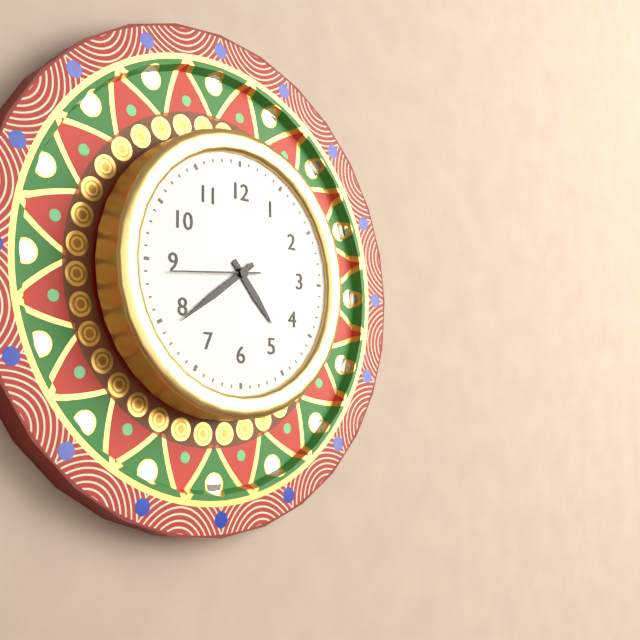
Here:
4,39,44
